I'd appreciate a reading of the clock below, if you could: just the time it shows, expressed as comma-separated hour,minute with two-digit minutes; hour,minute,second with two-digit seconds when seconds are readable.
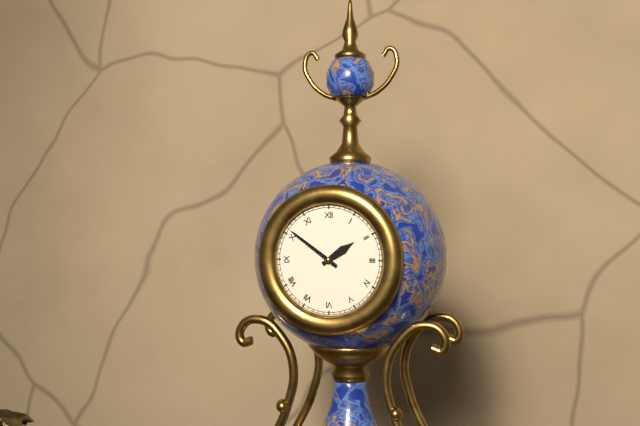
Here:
1,51
